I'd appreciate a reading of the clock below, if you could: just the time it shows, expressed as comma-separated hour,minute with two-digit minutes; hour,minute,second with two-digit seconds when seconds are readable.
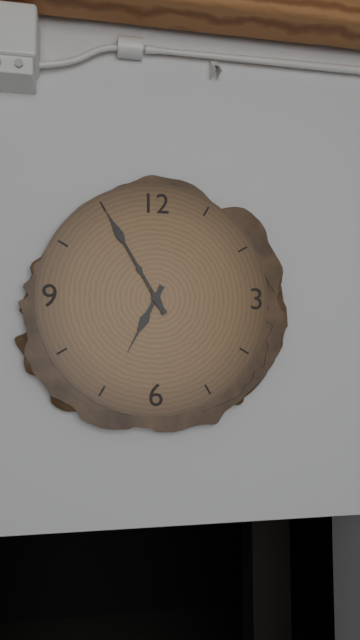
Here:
6,55
